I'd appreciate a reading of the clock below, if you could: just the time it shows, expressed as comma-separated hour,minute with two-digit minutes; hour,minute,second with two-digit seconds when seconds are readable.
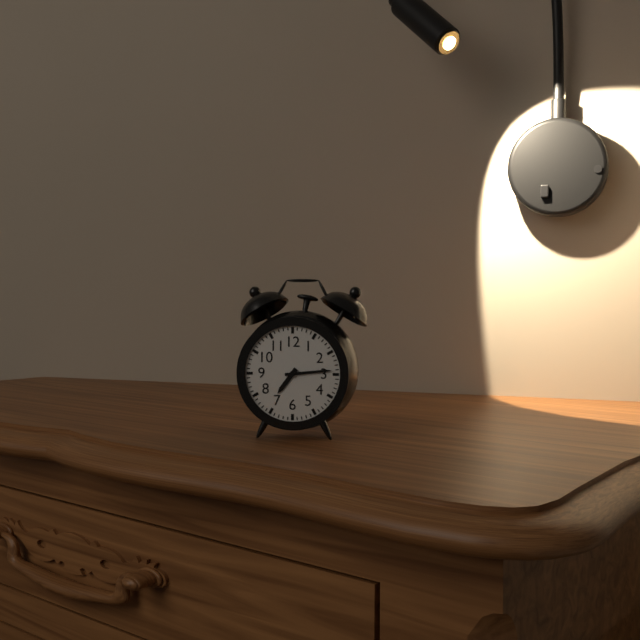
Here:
7,14
